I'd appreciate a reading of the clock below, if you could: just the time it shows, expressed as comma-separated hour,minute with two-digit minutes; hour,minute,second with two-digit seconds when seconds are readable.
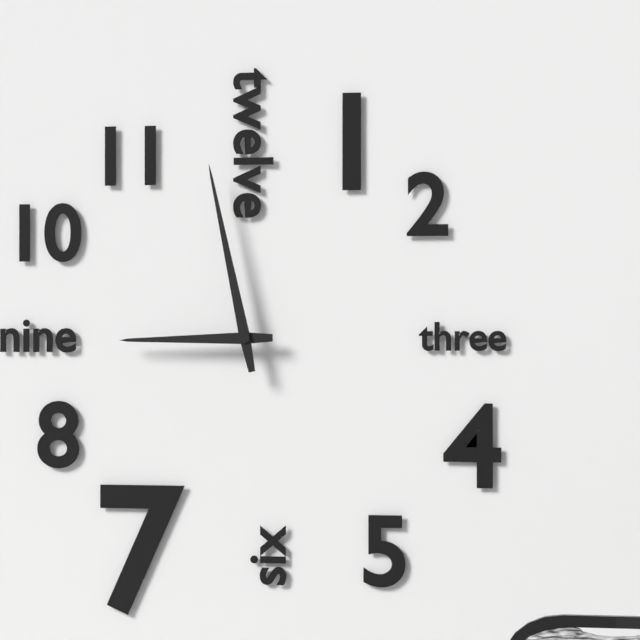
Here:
8,58
